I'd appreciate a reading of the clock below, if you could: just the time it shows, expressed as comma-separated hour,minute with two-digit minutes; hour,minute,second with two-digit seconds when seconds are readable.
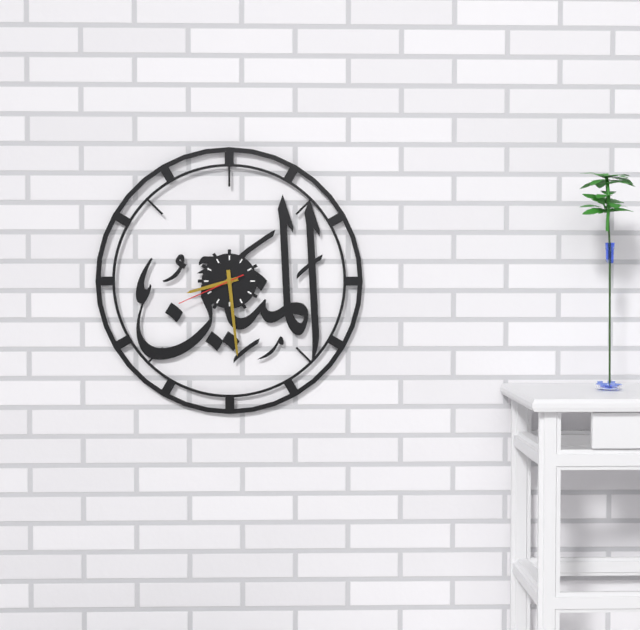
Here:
8,29,41
